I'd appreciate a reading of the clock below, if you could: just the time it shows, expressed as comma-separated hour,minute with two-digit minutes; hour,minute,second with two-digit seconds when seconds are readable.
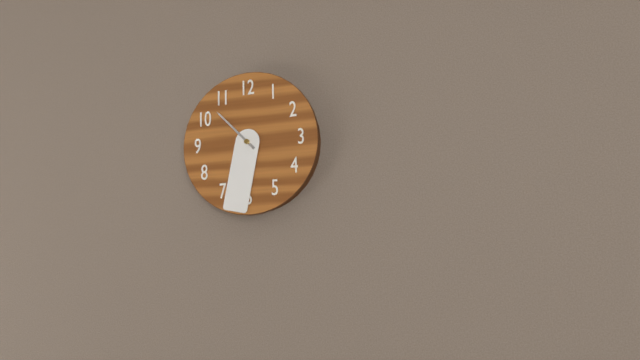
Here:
10,32
